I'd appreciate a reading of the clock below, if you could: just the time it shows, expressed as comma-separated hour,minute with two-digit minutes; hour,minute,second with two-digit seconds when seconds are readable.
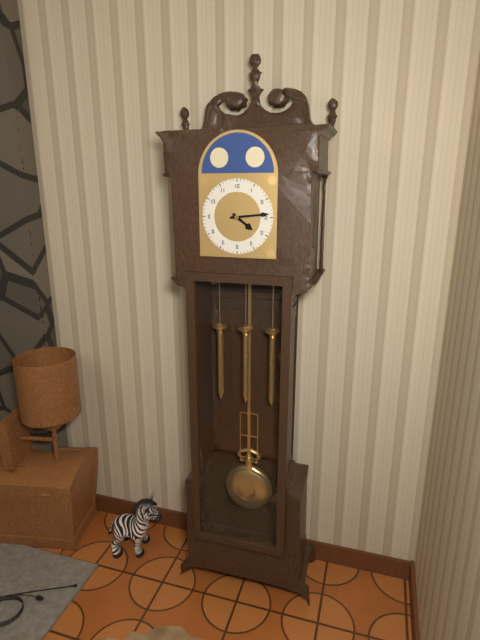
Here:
4,14
